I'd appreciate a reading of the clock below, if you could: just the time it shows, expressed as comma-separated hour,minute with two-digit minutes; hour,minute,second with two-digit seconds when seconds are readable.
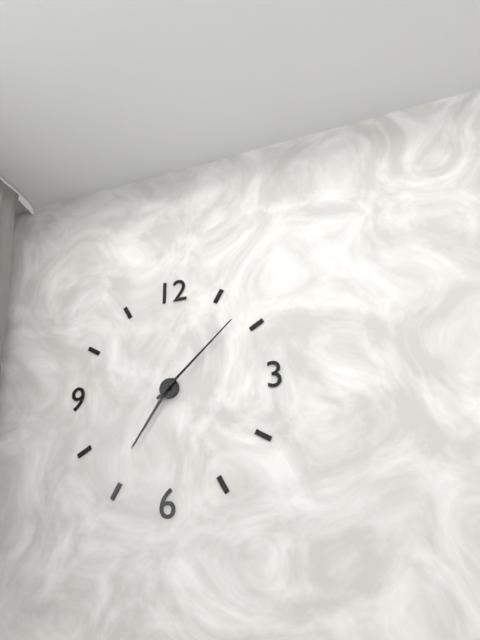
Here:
7,08
